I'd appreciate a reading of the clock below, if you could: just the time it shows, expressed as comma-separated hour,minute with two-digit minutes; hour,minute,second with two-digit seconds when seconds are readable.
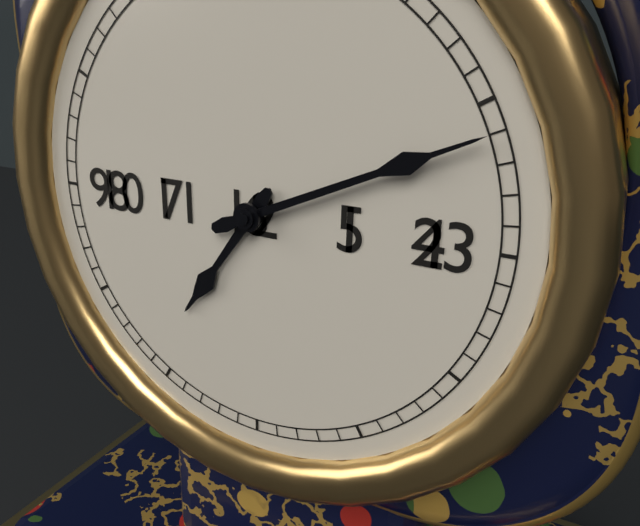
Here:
7,11
